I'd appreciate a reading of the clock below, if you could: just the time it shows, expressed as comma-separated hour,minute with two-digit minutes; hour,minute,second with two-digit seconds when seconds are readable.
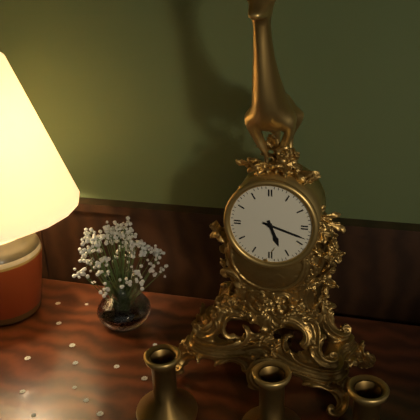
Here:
5,18
